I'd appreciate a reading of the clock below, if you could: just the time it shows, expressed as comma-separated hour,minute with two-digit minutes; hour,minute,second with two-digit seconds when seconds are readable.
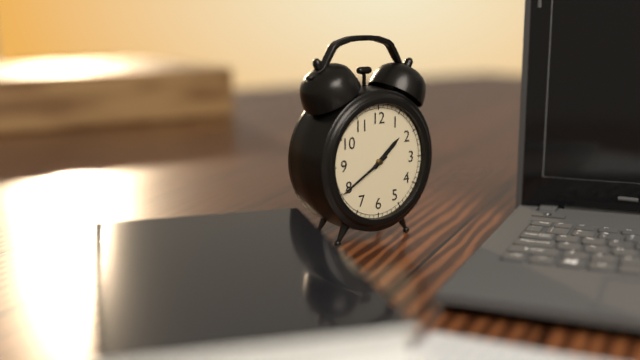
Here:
1,40
